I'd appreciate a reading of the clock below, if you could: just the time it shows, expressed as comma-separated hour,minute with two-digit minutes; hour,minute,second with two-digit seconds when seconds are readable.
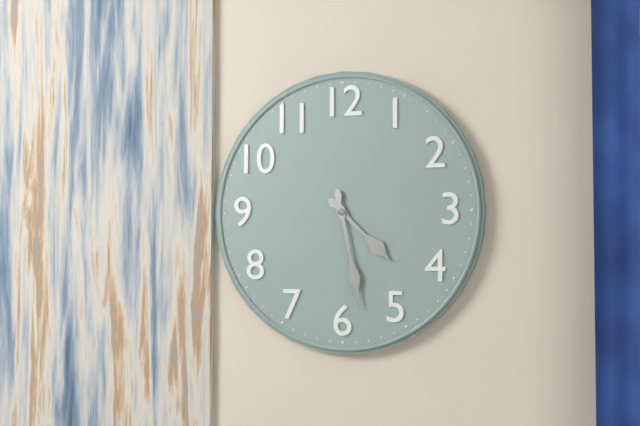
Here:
4,28
